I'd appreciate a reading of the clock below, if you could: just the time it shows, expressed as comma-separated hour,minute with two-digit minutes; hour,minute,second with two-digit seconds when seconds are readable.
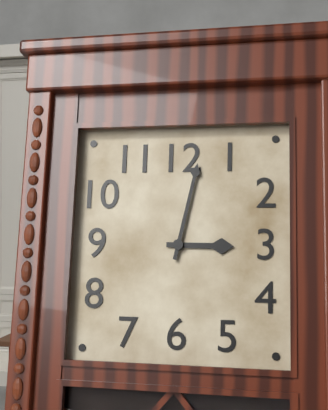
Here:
3,02
